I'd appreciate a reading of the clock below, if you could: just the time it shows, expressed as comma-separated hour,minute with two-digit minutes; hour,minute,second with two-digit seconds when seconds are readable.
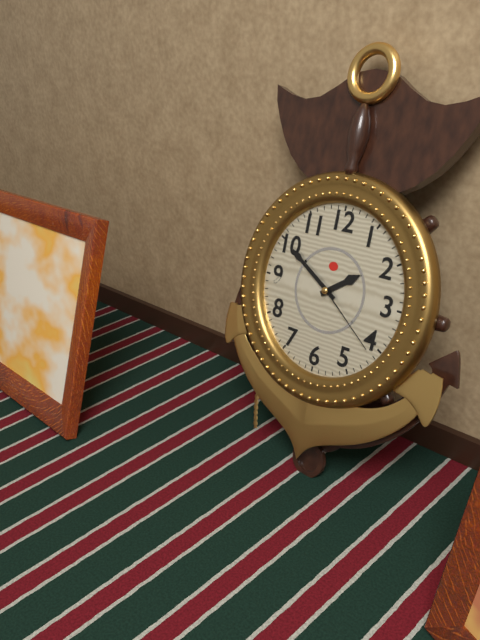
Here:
1,50,21
